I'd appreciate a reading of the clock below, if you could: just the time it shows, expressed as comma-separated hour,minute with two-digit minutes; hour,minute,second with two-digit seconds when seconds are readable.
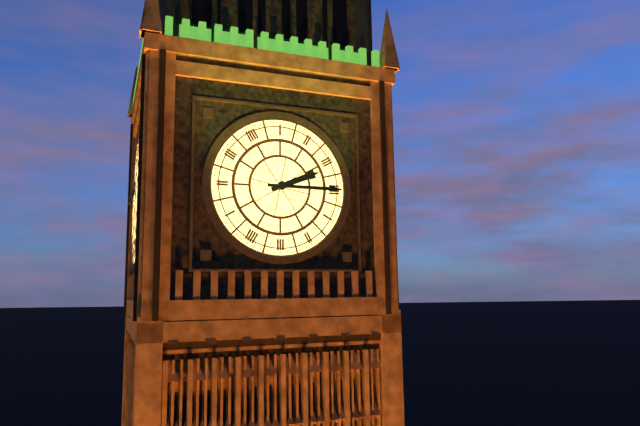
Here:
2,15
